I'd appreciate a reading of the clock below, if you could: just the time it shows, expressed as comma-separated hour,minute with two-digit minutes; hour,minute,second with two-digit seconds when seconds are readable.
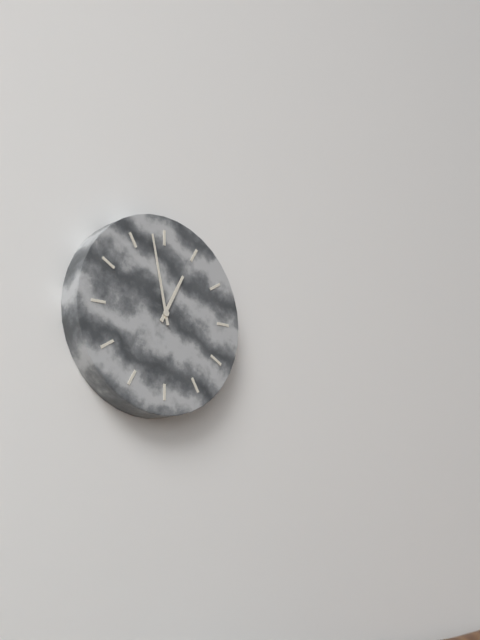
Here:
12,58
